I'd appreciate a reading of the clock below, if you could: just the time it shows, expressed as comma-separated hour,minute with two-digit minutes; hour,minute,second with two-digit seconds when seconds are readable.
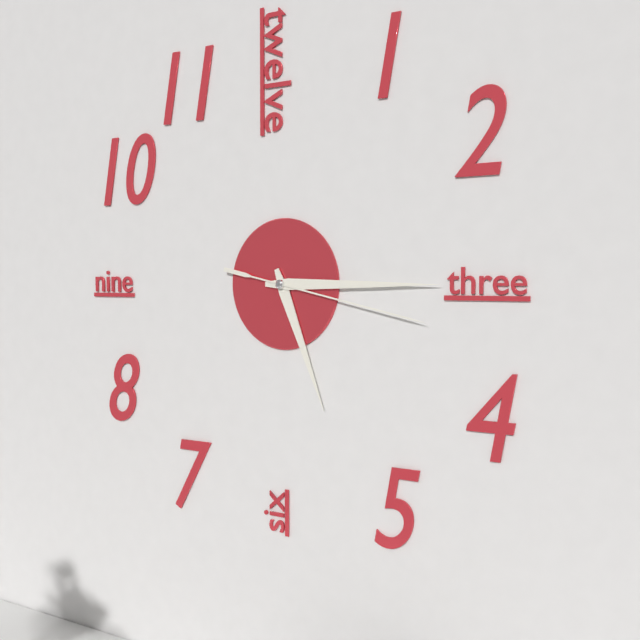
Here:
5,15,17
